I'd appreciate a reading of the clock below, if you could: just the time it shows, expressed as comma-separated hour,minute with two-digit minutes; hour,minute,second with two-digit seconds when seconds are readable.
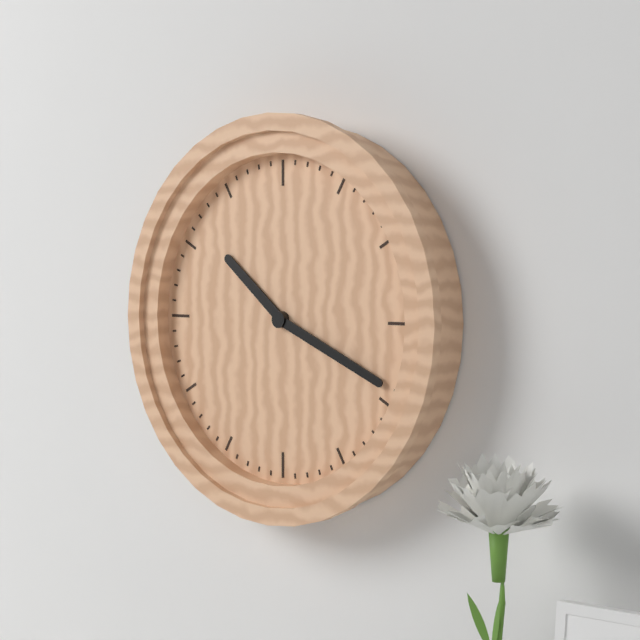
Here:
10,19
